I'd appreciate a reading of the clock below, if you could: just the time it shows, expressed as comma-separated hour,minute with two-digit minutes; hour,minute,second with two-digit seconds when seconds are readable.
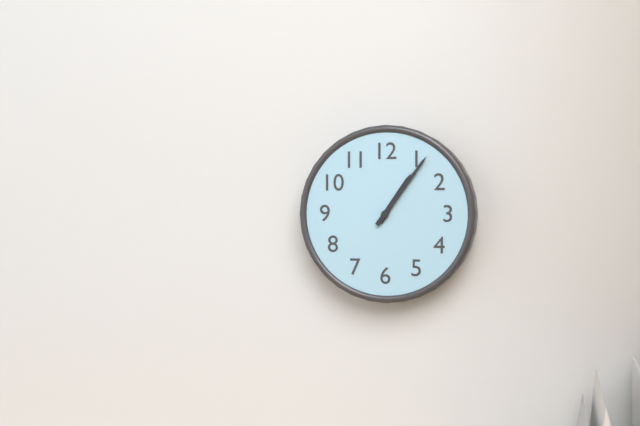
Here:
1,06
